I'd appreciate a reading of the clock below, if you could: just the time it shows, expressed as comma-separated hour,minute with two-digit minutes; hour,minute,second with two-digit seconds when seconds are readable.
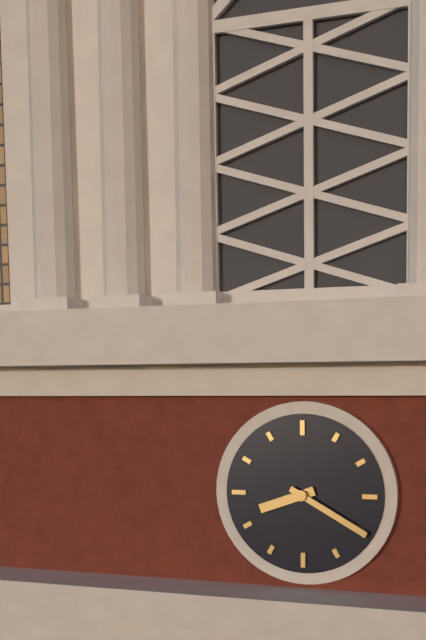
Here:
8,20
